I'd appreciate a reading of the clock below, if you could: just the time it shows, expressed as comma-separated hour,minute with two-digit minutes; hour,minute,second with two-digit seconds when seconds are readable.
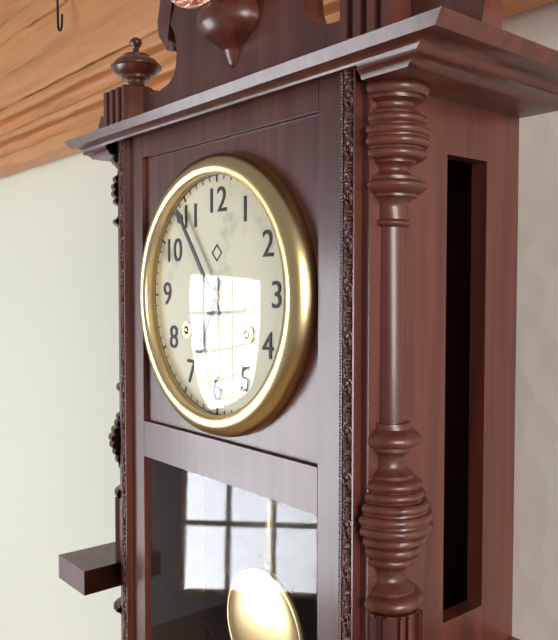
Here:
6,54
